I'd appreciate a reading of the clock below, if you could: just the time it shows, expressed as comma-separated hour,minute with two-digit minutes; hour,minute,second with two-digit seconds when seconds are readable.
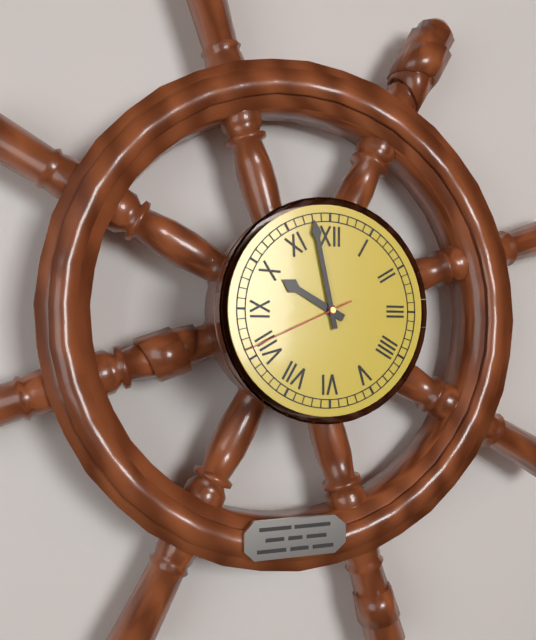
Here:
9,58,41
